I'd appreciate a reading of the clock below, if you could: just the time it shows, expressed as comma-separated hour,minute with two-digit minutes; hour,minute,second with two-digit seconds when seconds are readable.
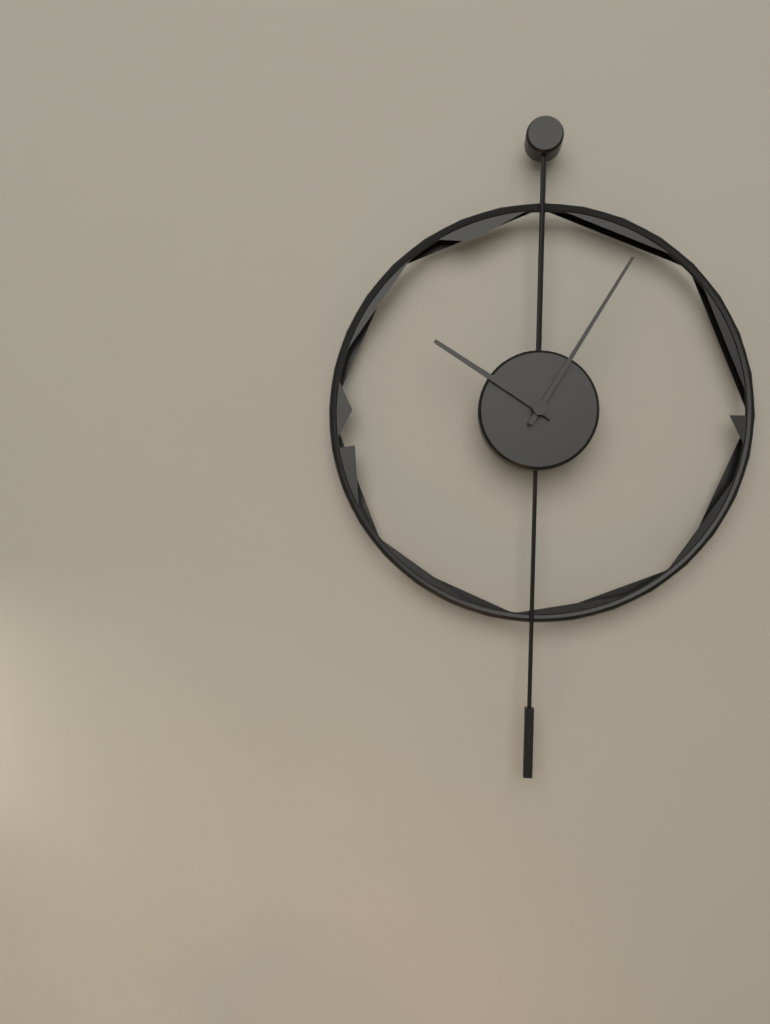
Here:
10,05
